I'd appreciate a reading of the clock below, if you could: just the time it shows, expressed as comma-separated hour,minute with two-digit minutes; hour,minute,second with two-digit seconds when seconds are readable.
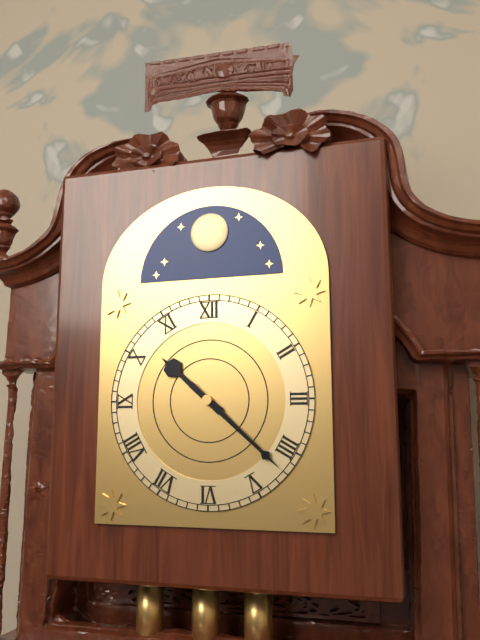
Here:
10,22
